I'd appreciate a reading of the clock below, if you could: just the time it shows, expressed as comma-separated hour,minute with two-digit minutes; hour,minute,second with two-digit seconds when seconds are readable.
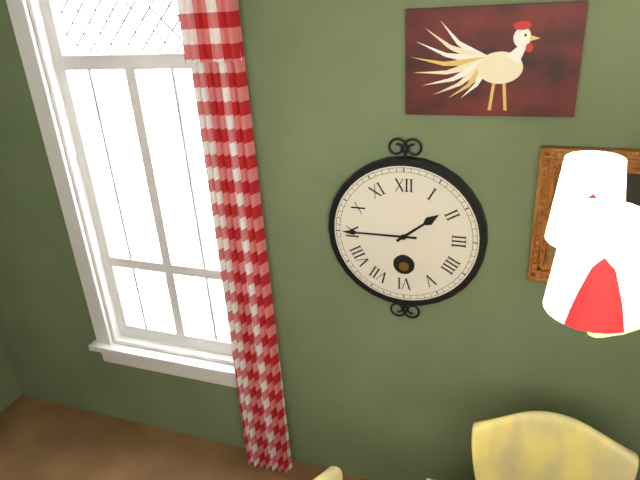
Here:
1,45
